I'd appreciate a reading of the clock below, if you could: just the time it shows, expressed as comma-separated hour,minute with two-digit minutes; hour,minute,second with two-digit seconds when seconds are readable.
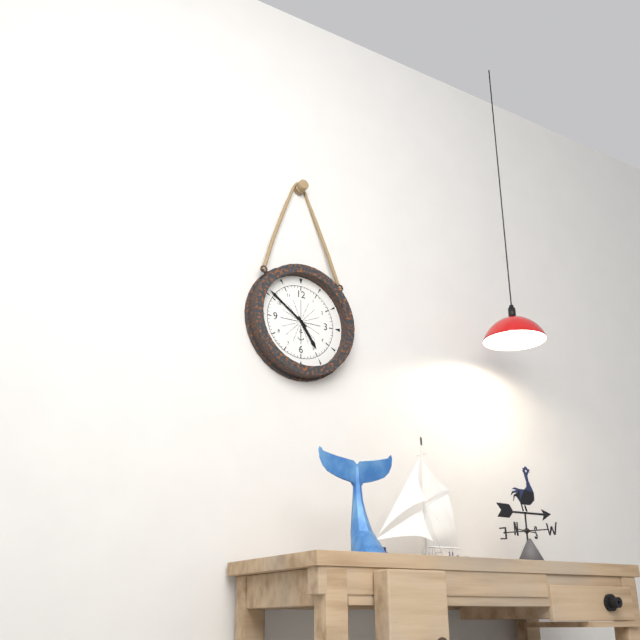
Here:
4,51
